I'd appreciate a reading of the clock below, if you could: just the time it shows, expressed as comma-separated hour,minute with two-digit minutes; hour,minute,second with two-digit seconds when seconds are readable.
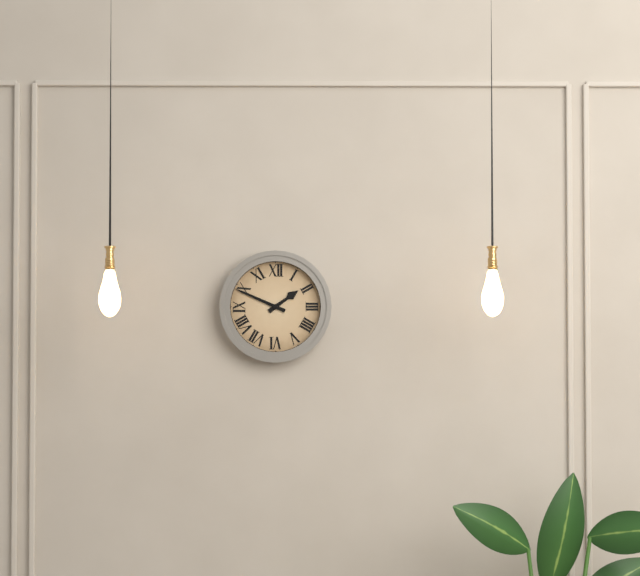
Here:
1,49
